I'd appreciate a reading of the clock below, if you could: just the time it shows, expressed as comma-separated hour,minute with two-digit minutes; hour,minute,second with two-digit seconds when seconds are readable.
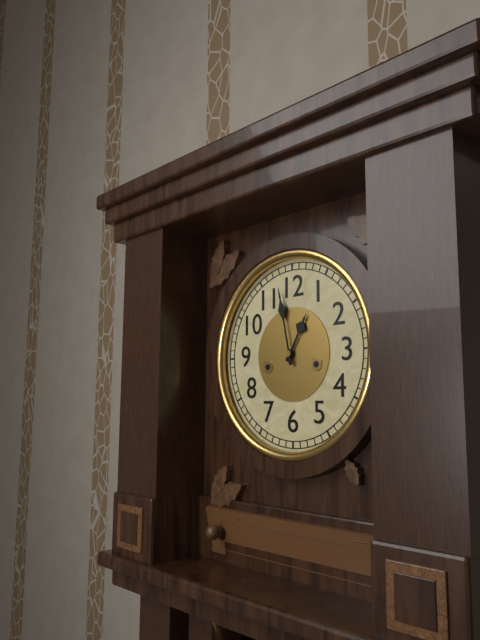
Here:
12,58
